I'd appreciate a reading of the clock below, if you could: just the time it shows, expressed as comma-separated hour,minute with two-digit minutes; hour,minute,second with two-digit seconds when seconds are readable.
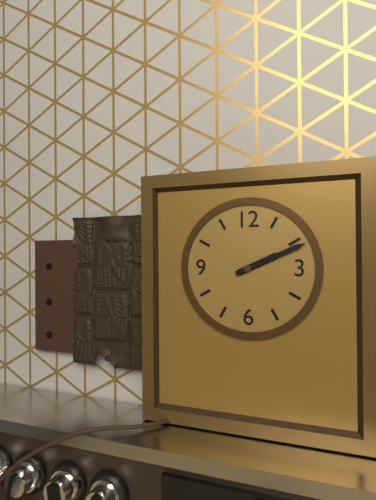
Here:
2,11
